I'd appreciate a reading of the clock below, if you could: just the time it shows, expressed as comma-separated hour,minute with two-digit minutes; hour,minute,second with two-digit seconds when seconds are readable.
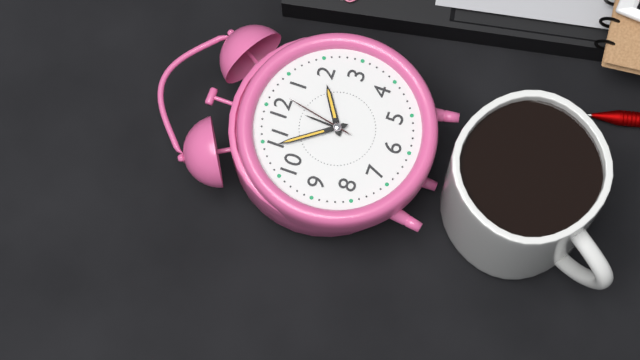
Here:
1,54,02
